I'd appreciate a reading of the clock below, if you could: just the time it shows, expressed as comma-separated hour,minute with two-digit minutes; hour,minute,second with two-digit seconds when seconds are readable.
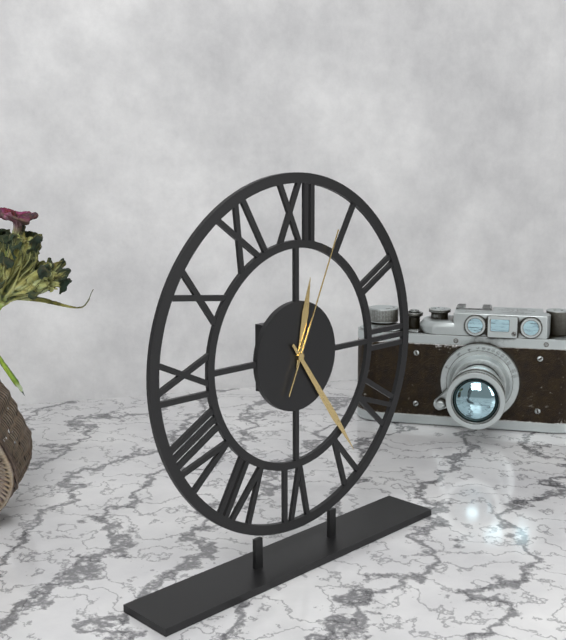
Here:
12,24,04
